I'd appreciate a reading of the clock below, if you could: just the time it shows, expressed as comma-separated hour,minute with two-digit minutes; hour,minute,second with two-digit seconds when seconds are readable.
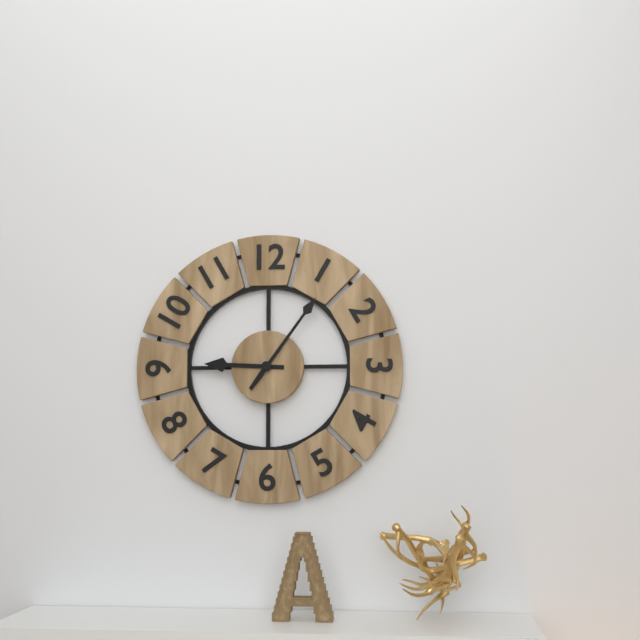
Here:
9,06
